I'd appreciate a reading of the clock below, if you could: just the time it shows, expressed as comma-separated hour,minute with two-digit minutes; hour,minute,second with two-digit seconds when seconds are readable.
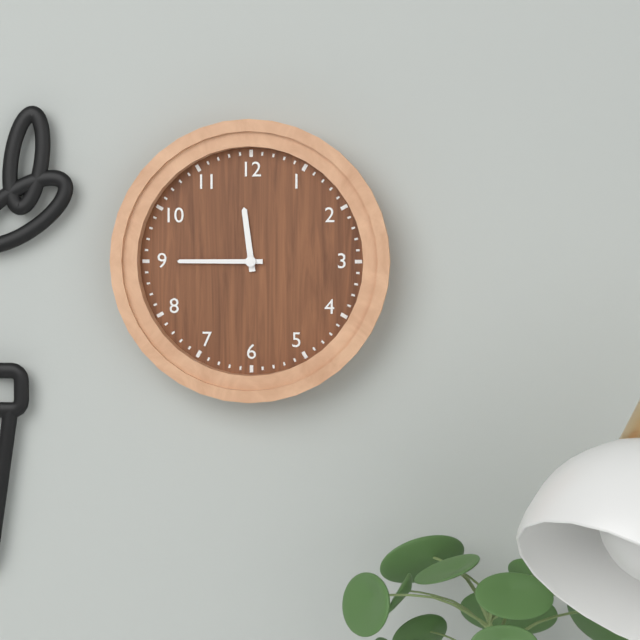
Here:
11,45
